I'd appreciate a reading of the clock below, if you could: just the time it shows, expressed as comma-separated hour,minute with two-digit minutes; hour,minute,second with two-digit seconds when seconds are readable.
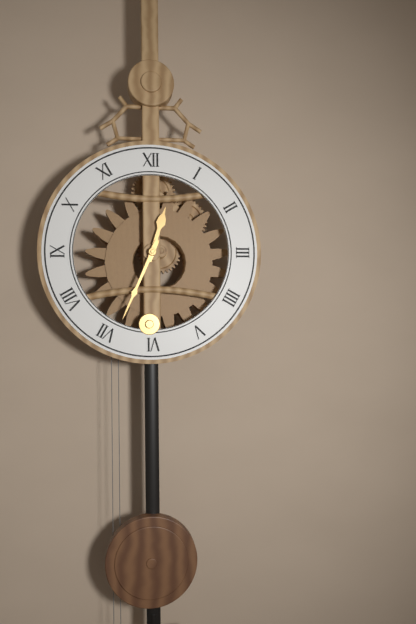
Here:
12,34
